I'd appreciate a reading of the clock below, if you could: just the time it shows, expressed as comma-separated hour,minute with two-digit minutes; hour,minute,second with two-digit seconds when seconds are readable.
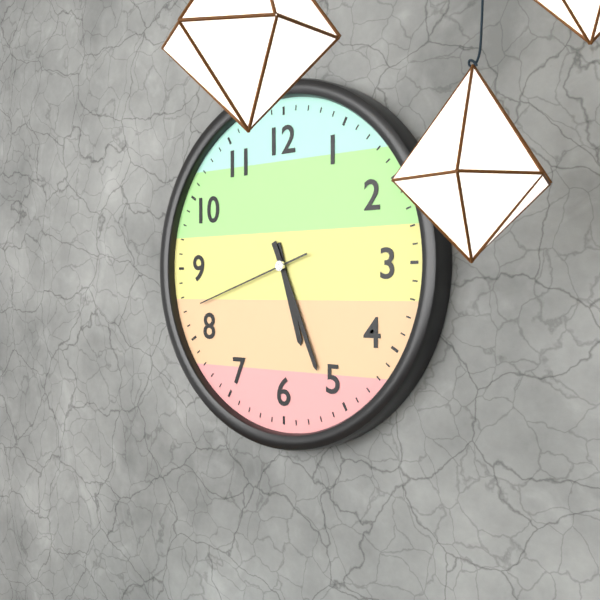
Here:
5,26,42
